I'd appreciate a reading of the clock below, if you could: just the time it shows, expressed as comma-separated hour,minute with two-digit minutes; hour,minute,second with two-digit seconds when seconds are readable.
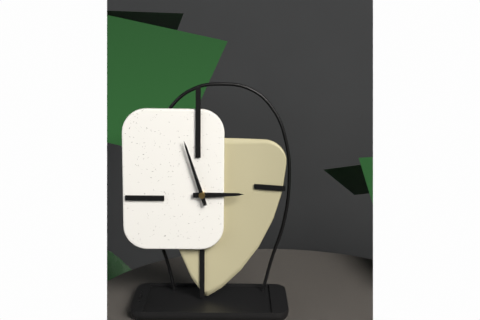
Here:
2,57
